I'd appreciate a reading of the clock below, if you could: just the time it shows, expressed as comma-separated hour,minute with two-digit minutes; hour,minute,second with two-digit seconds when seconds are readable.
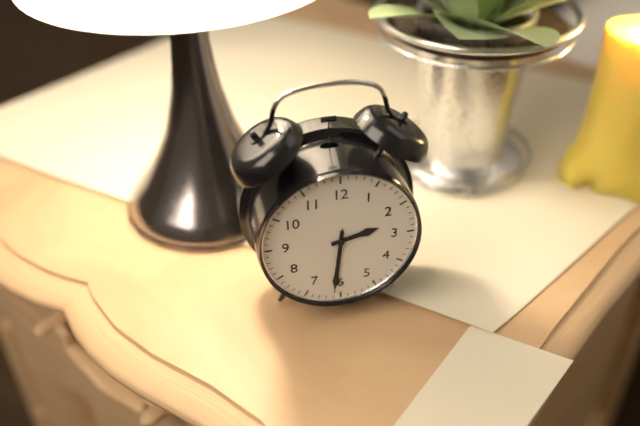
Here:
2,31,31
